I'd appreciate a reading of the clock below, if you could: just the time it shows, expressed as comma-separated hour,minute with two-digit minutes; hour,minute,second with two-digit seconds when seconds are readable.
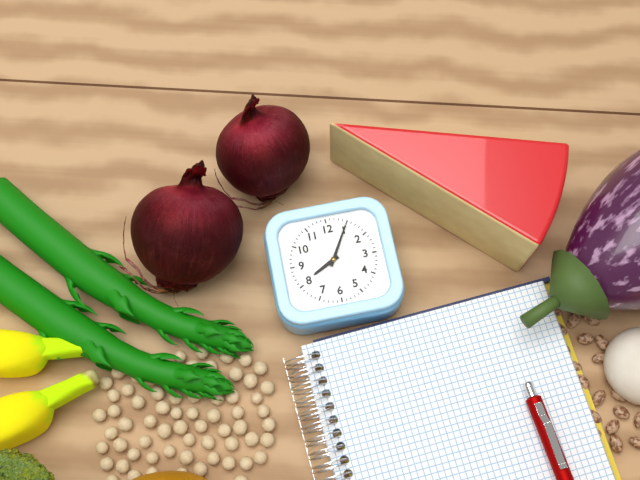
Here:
8,05
